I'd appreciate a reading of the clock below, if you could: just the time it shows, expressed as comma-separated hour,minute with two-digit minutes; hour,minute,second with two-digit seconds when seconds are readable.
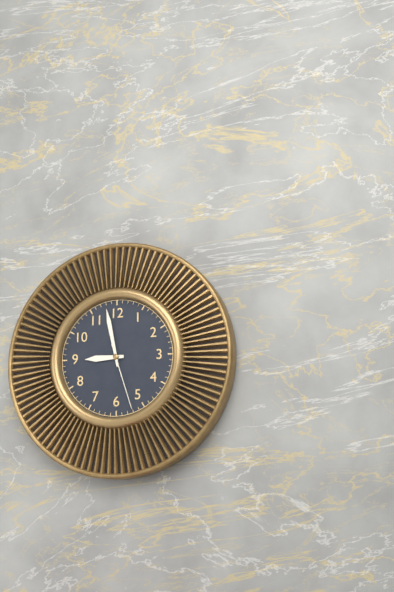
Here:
8,58,27
